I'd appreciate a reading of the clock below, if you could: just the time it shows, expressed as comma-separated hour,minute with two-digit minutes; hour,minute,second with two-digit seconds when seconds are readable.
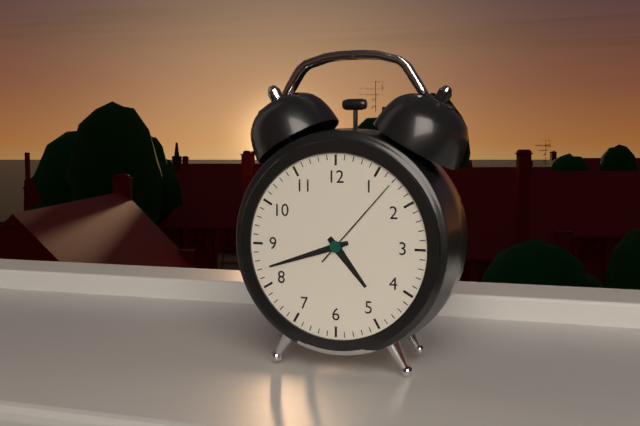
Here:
4,42,07
